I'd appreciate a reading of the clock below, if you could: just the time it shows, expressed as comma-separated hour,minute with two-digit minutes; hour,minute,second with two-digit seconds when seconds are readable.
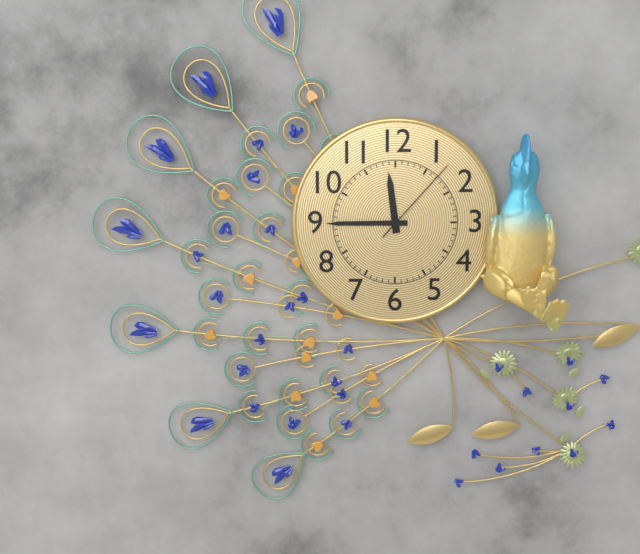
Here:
11,45,07
